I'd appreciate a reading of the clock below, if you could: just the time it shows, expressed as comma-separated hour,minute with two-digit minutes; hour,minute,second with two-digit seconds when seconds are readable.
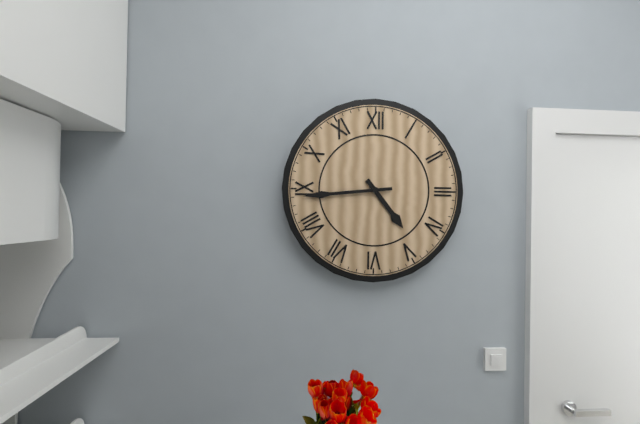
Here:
4,44
